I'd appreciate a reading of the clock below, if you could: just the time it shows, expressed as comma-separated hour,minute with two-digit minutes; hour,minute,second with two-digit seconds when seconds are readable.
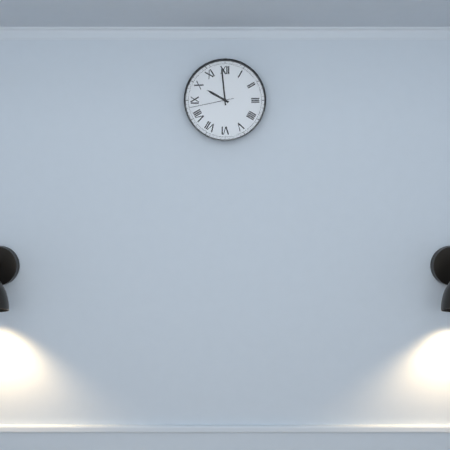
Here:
9,59
